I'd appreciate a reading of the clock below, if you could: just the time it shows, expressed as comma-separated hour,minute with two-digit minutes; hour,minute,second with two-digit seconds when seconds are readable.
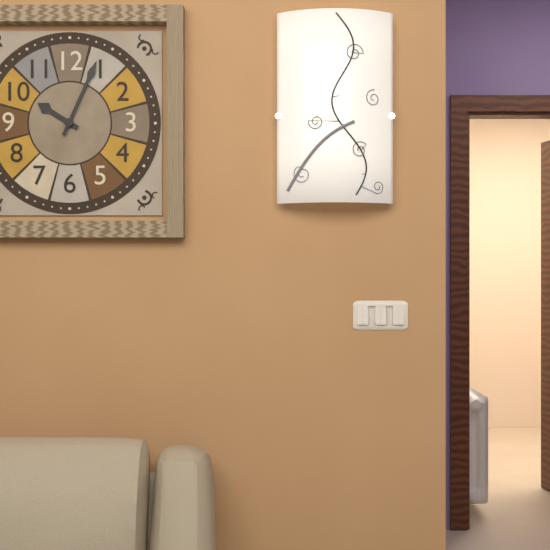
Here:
10,04
